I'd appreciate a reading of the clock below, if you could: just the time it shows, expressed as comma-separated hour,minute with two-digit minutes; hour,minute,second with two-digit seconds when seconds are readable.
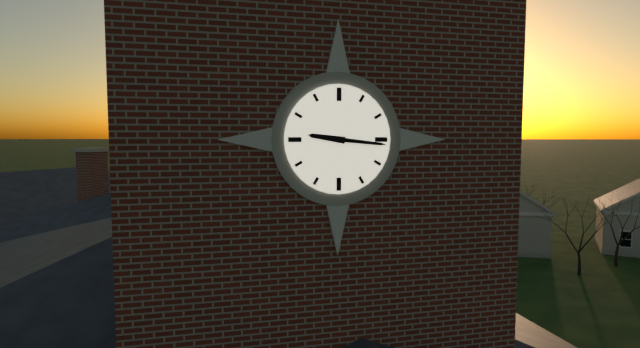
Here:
9,16
